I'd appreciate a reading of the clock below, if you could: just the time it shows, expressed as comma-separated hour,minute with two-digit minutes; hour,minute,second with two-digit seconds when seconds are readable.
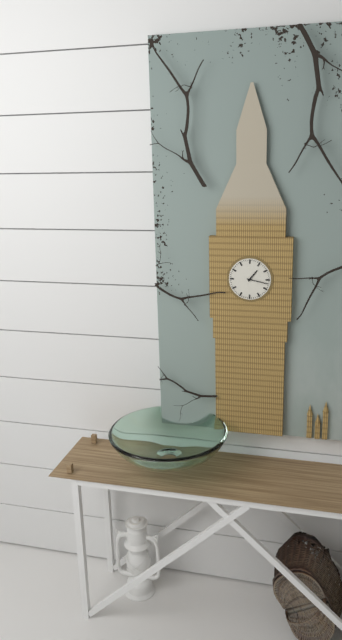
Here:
1,17
